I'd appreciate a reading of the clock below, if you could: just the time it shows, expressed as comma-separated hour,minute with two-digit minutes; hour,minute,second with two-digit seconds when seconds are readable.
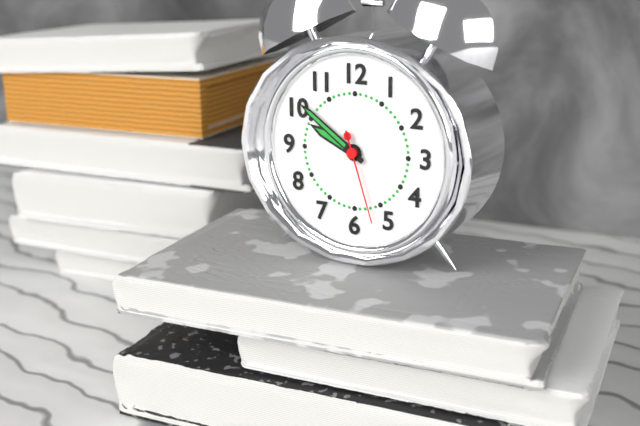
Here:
9,51,27
